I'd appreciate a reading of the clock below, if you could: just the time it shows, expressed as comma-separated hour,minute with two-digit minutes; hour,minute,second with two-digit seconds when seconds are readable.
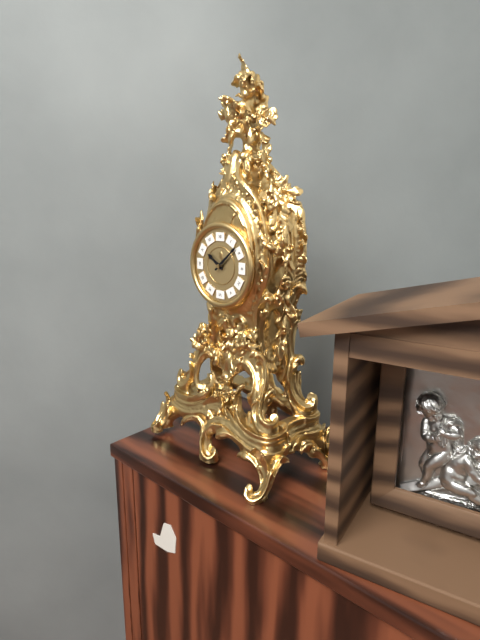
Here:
10,08
